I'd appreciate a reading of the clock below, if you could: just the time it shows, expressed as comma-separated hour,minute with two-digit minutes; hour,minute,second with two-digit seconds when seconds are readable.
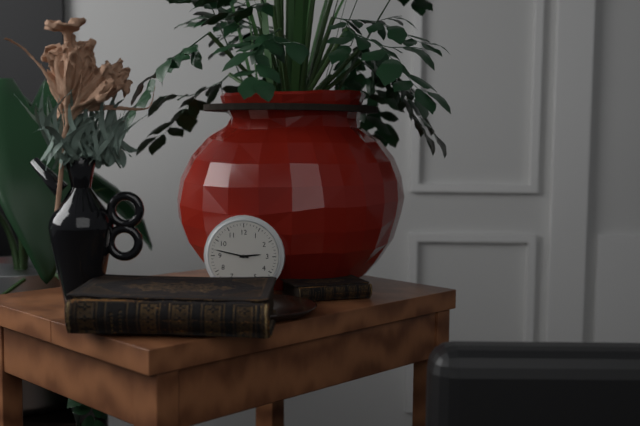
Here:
2,47
